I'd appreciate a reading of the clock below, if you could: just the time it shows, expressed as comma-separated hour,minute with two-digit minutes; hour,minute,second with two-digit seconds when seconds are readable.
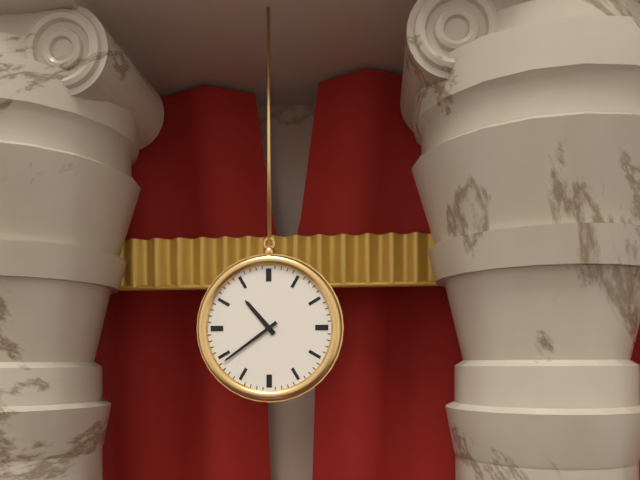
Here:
10,39
